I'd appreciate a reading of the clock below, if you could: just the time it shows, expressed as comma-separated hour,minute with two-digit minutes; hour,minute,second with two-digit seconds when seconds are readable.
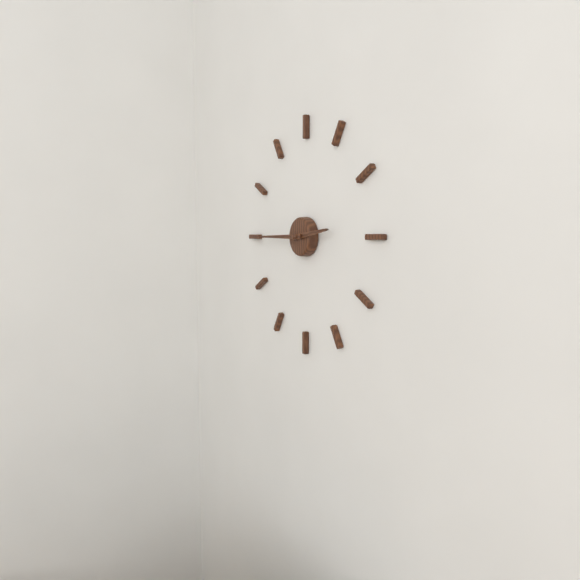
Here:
2,45
